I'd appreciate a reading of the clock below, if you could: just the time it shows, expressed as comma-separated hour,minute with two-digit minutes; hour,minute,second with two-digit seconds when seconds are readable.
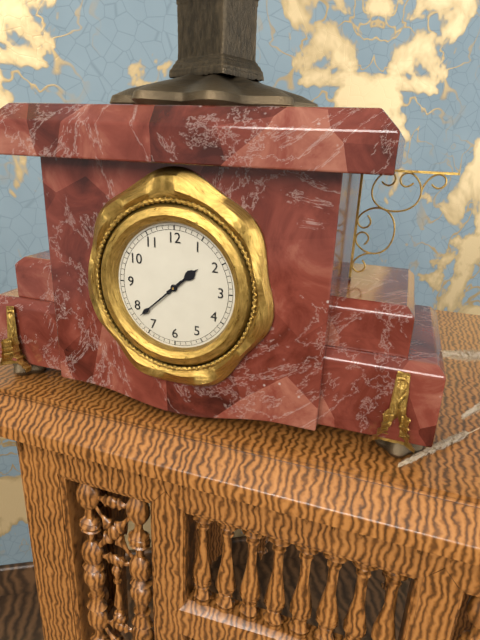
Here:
1,38
